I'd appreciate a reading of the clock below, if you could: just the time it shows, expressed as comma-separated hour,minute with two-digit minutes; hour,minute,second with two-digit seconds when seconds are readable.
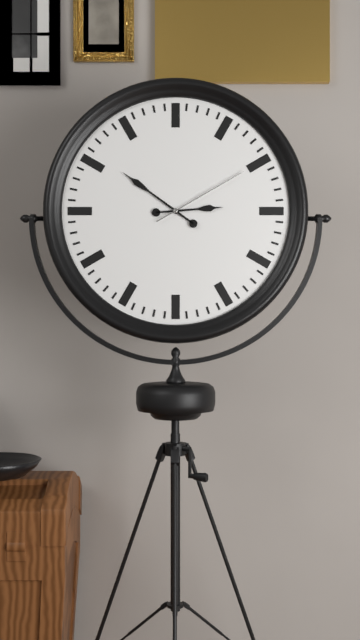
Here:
2,51,10
